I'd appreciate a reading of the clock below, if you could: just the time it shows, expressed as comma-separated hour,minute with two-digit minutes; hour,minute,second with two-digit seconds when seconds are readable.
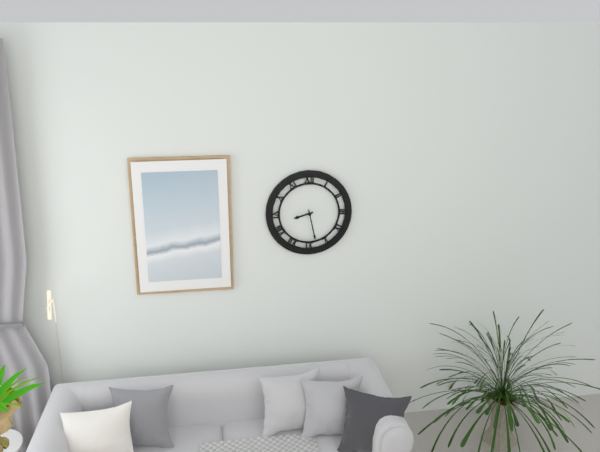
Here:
8,28
